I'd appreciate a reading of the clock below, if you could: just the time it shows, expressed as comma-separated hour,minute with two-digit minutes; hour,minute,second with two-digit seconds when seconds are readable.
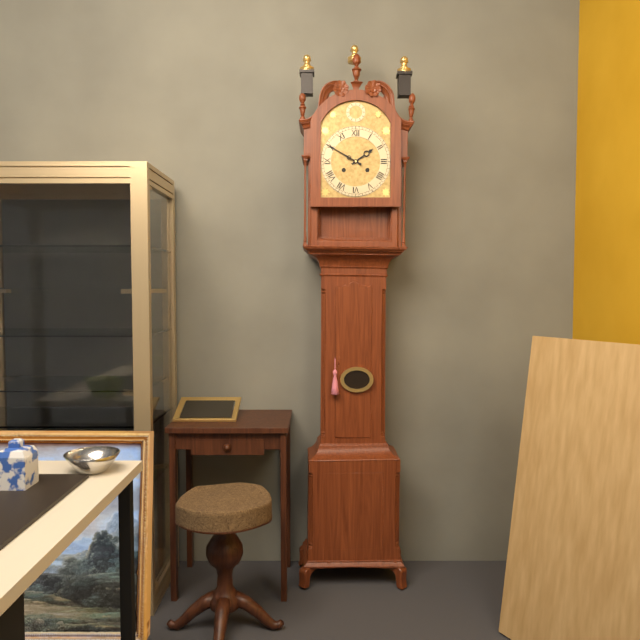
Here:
1,50
